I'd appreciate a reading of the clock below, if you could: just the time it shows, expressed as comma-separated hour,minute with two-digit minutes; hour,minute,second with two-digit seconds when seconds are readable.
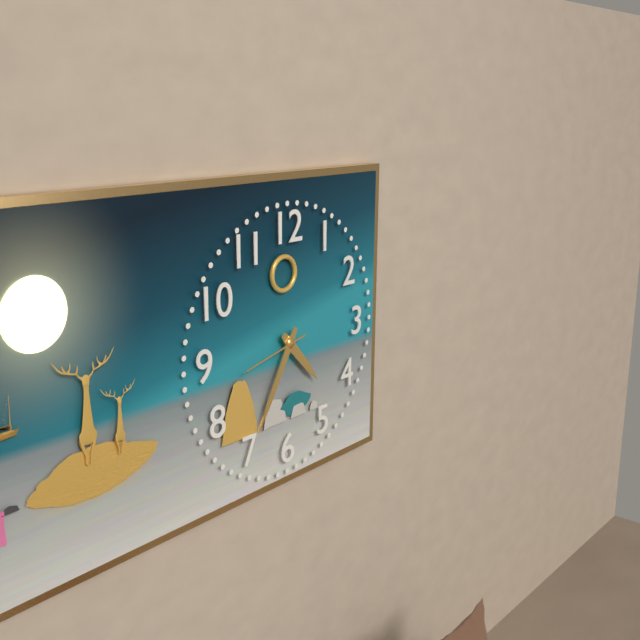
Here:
4,35,43
